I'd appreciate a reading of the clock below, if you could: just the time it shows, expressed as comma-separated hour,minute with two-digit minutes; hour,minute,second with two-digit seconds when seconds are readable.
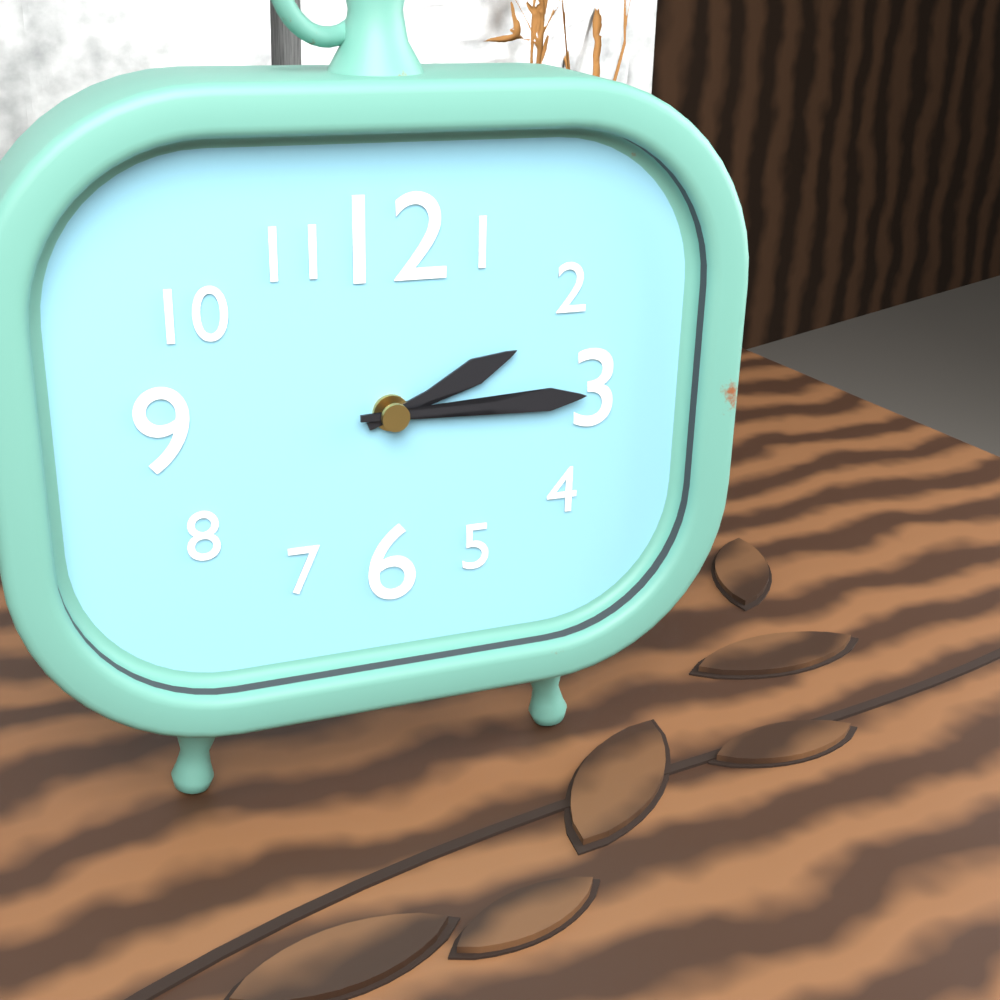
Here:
2,15
